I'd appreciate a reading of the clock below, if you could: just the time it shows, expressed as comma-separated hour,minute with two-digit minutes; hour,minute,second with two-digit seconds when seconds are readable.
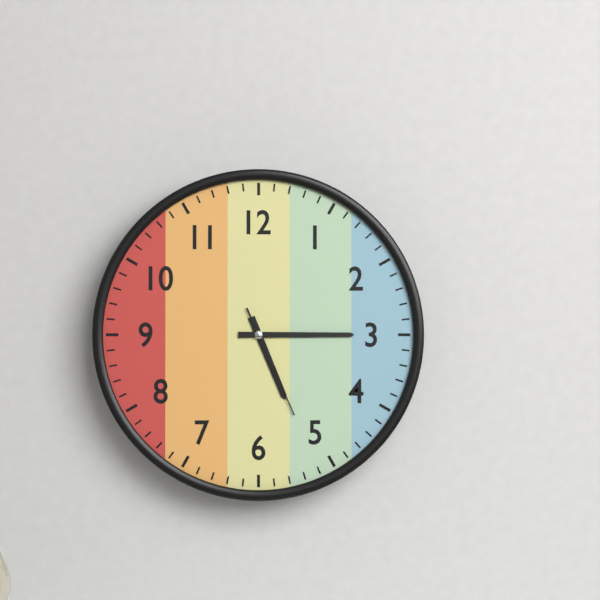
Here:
5,15,26
